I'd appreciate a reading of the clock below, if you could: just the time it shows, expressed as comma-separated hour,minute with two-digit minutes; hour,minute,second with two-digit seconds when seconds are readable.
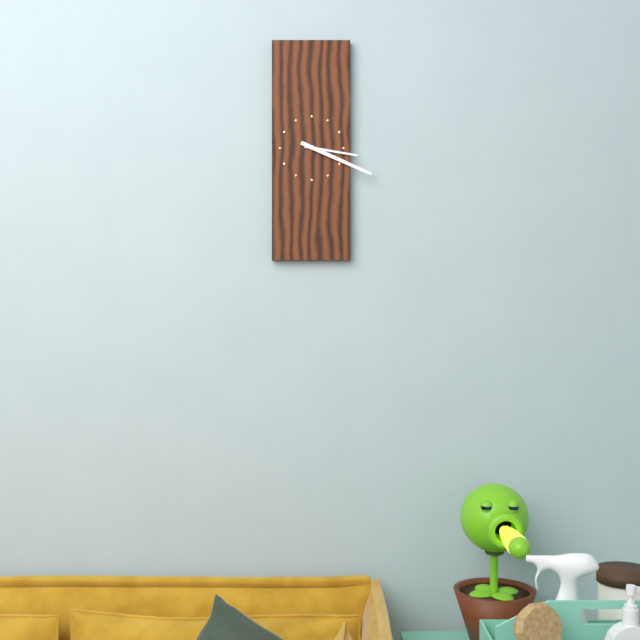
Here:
3,19
